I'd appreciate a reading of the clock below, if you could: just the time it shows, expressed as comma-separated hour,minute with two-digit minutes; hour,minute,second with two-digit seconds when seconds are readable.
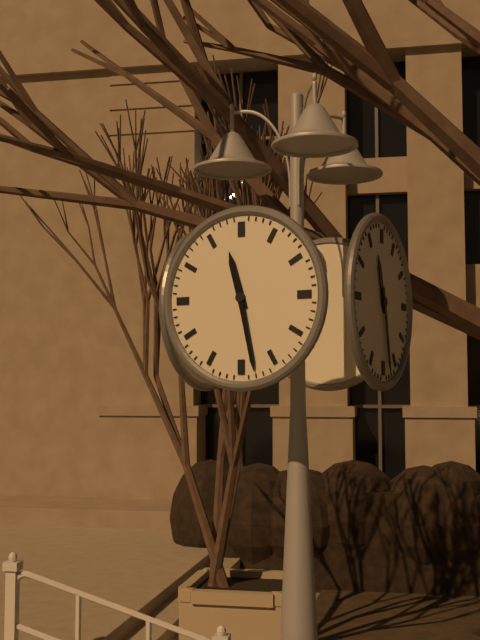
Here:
11,28
